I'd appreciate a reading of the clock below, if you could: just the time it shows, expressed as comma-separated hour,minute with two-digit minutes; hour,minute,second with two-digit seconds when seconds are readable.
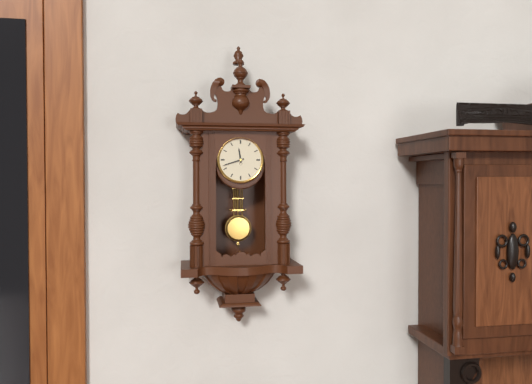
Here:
11,42
